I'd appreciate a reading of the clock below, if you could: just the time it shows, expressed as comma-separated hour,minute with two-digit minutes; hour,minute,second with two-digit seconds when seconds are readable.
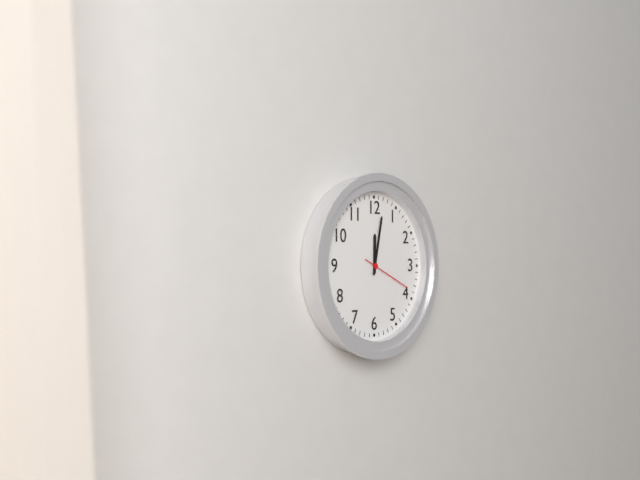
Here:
12,02,19
